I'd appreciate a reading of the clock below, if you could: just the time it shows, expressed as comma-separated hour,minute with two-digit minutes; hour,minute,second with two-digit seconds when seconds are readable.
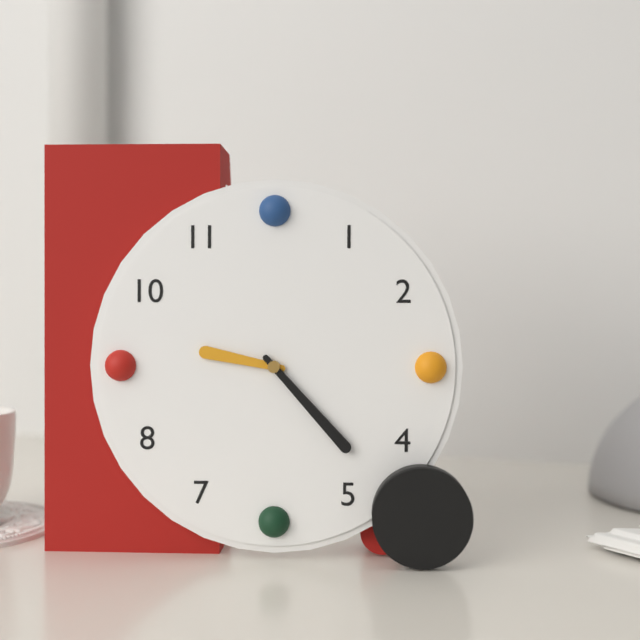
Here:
9,23
